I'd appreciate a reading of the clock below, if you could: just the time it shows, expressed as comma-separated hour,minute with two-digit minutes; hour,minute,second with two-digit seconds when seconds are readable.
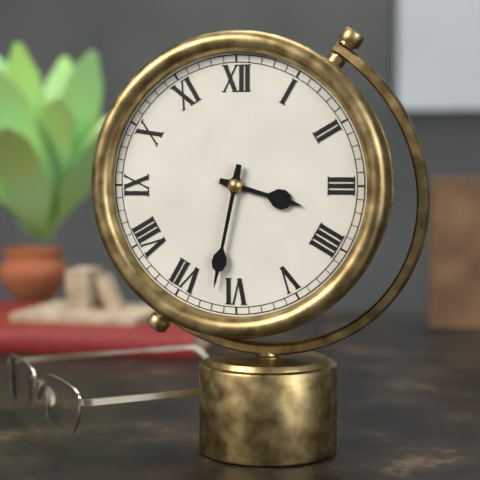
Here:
3,32
